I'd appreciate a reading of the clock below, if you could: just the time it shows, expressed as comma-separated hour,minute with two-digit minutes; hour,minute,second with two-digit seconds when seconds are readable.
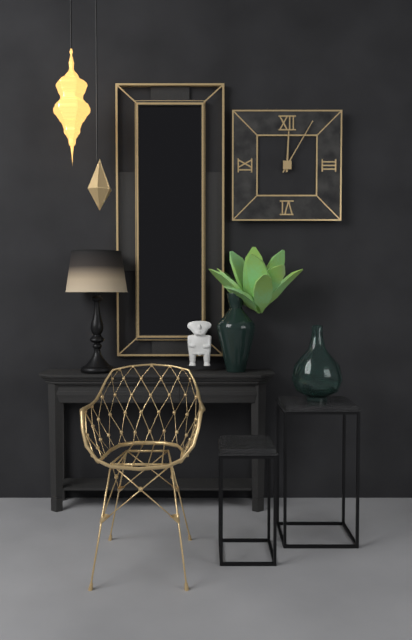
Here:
12,05
